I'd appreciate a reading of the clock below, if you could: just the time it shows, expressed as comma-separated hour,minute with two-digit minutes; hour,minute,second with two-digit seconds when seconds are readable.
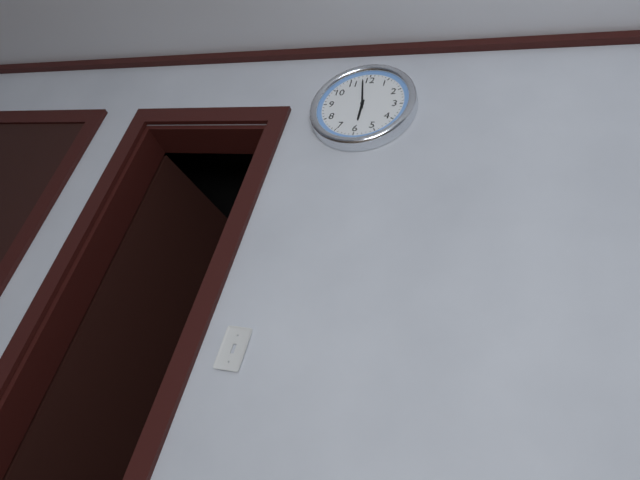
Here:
5,58
